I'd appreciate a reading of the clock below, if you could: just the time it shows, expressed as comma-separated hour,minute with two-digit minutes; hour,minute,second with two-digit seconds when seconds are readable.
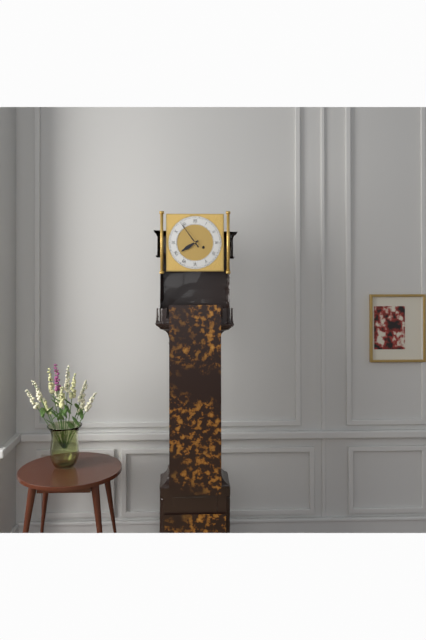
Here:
7,54
